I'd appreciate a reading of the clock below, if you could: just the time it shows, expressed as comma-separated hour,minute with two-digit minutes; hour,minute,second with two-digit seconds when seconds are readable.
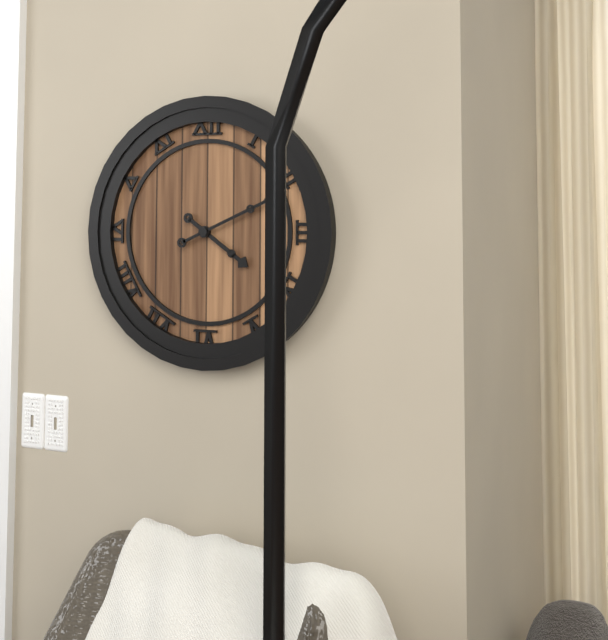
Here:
4,11
